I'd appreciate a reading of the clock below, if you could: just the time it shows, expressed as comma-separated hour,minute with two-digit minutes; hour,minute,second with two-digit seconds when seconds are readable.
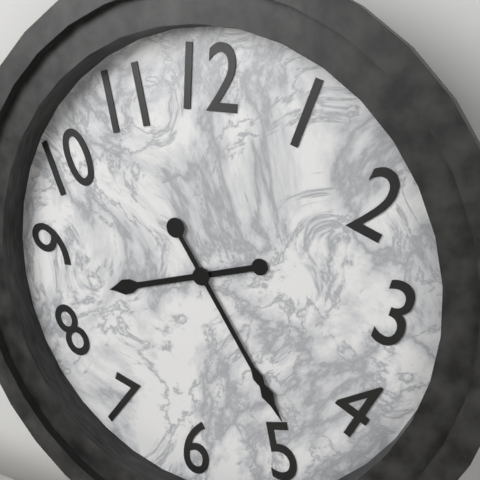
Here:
8,24
